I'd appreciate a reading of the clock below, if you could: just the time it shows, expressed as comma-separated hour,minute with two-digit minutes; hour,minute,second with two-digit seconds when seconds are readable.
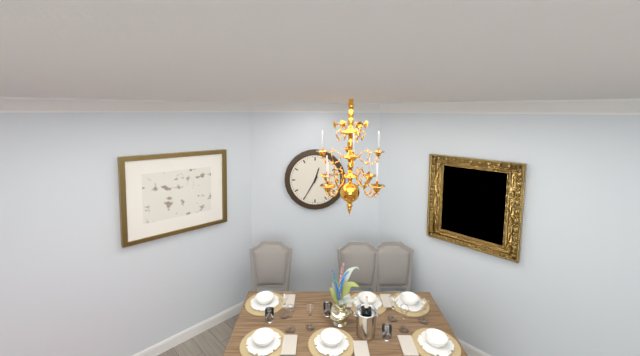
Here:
12,35
